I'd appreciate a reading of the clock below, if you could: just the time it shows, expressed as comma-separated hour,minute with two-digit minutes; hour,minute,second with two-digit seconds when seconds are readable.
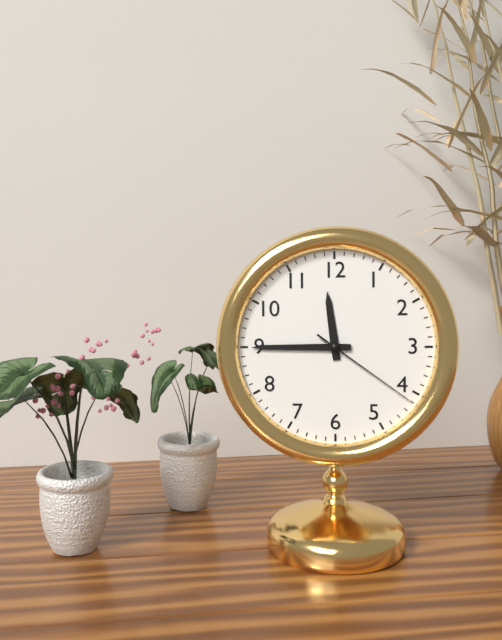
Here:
11,45,21
